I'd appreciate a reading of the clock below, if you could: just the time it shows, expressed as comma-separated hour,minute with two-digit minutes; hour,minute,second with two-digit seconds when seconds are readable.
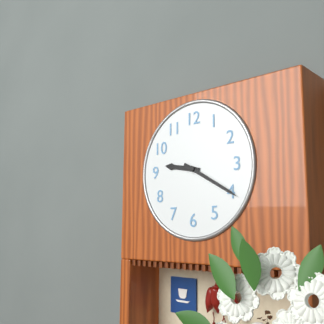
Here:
9,20
